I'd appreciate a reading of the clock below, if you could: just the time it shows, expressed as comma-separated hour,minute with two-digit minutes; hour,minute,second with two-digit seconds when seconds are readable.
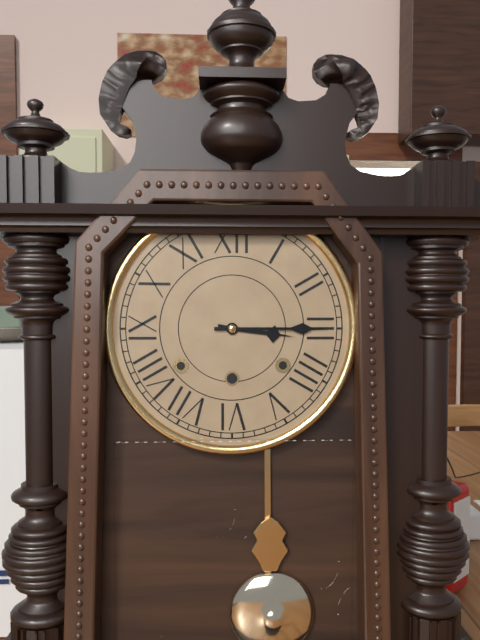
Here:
3,15
